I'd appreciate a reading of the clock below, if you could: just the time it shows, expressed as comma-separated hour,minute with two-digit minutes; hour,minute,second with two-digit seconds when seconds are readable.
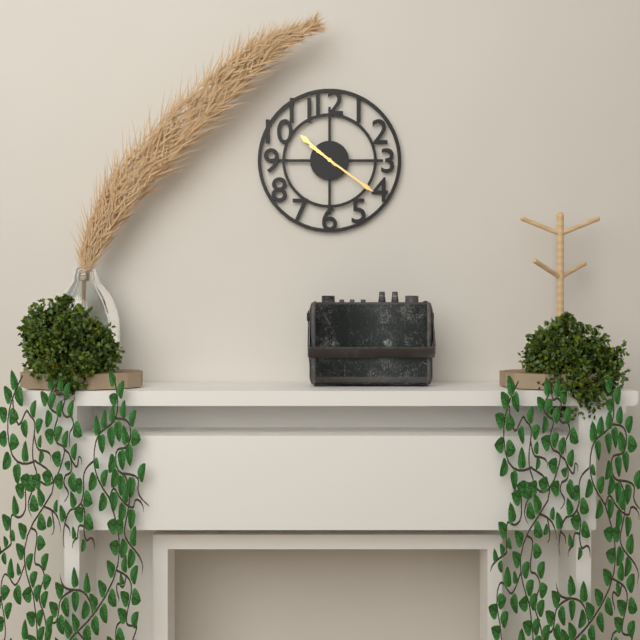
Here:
10,21
